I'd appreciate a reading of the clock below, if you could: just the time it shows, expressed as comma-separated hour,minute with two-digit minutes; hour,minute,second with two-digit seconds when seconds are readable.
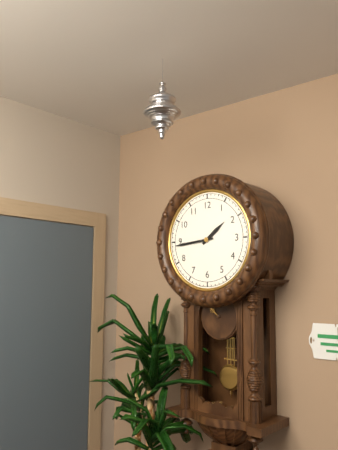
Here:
1,44
